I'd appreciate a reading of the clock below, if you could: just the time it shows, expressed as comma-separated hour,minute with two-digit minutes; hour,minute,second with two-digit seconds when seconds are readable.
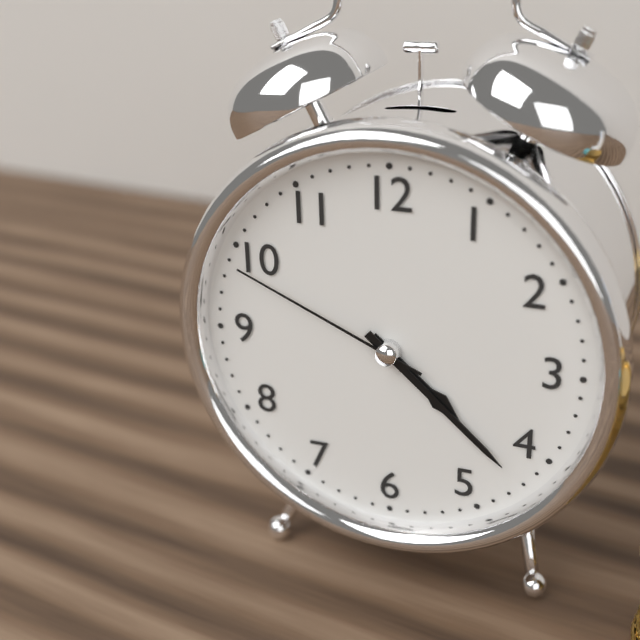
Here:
4,22,49
